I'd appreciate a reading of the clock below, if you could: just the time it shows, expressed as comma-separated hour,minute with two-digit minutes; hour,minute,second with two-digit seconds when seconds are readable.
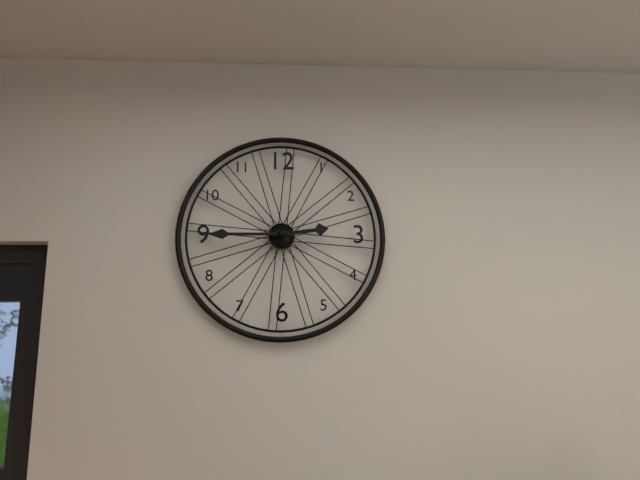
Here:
2,45
